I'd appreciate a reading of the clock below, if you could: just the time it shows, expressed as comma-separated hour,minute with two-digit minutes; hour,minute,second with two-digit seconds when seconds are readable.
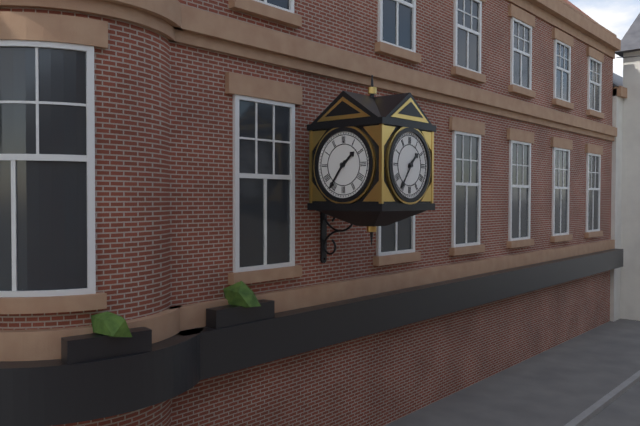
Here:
1,36
